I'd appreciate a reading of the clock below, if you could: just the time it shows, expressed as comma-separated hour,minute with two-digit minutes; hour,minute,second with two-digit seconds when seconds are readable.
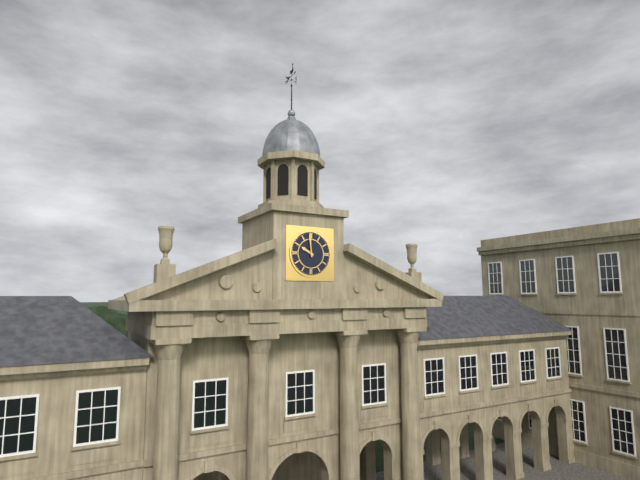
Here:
9,59
